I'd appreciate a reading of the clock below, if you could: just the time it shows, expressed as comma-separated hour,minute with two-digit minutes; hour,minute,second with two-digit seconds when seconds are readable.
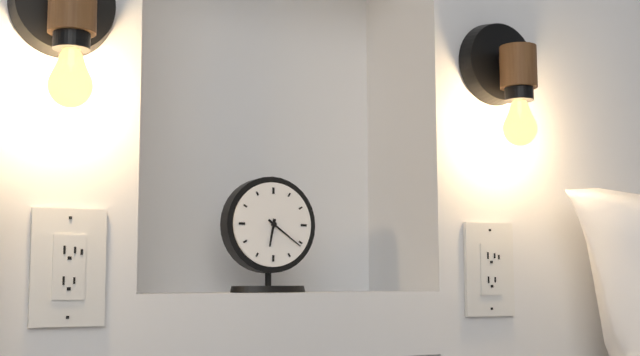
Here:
6,21
